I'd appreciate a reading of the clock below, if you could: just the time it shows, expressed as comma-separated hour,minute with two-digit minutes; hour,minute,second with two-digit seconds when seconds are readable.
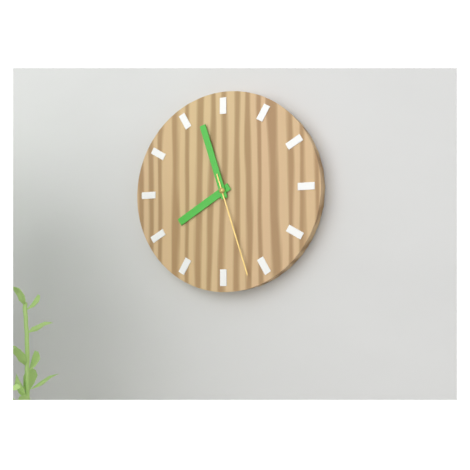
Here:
7,57,27
